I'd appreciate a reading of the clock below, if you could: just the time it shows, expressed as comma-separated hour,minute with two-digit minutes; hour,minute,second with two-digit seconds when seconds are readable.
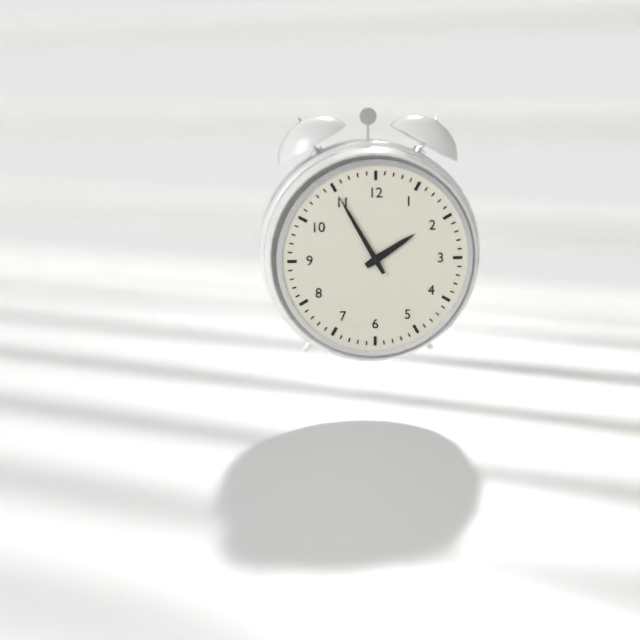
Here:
1,55
